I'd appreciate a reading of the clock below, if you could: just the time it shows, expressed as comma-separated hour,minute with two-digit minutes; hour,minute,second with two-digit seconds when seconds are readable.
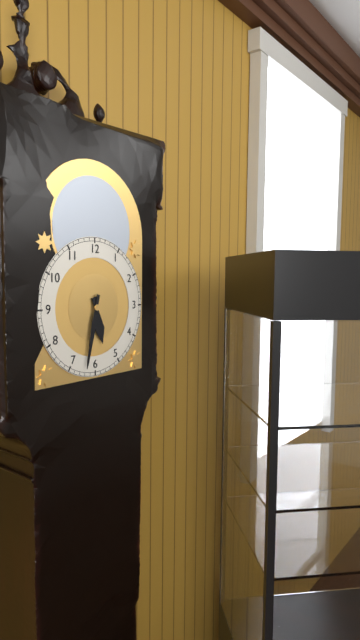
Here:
5,32
